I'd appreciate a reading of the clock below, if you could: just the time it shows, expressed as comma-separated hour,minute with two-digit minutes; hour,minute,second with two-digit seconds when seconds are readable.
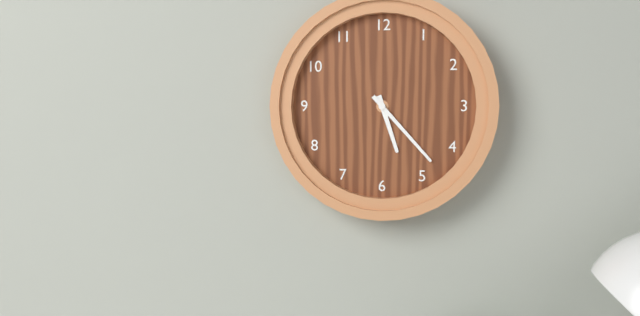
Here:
5,23
